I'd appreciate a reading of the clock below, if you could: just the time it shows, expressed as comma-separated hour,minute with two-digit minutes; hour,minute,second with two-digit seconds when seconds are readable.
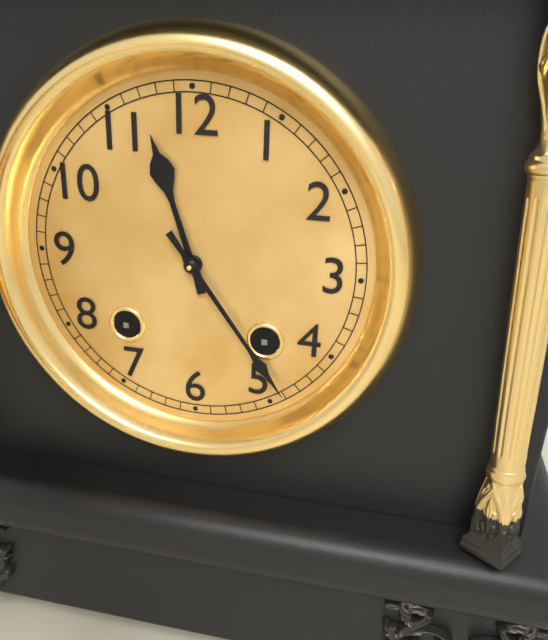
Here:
11,24
